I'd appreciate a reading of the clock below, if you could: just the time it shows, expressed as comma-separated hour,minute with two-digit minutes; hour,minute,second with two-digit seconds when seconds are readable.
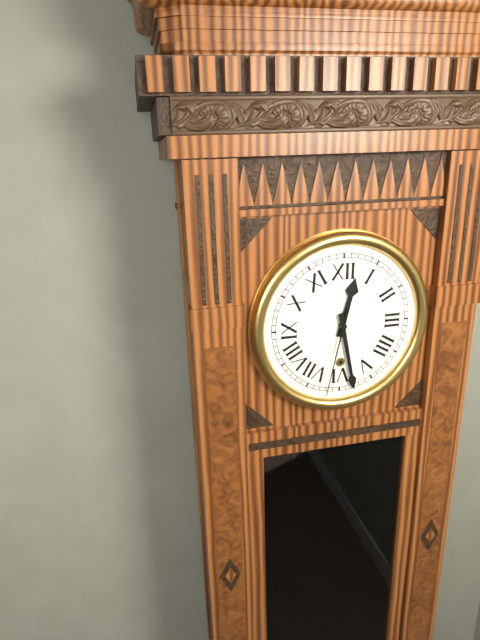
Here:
12,28,32
